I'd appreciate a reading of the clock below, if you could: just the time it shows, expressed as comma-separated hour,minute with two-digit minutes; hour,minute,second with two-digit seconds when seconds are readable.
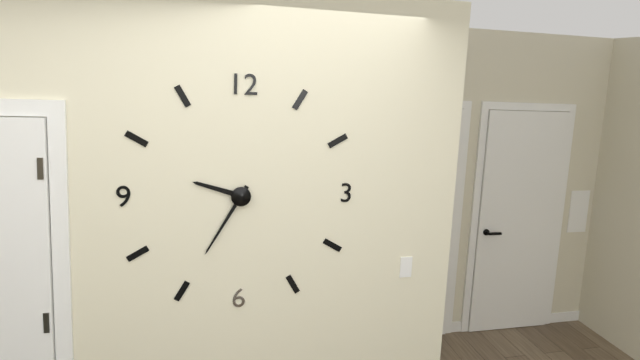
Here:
9,35
